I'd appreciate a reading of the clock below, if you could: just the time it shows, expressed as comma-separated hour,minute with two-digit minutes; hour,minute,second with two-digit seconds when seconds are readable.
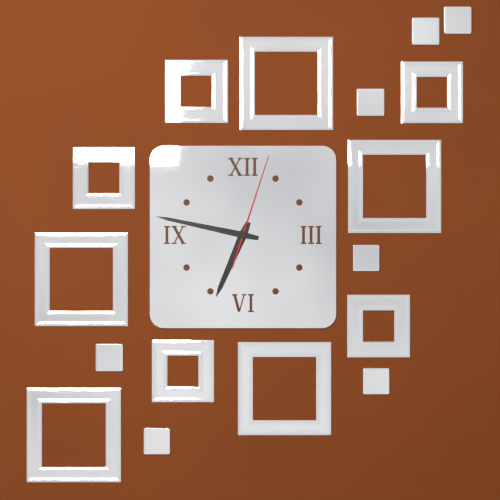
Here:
6,47,03
